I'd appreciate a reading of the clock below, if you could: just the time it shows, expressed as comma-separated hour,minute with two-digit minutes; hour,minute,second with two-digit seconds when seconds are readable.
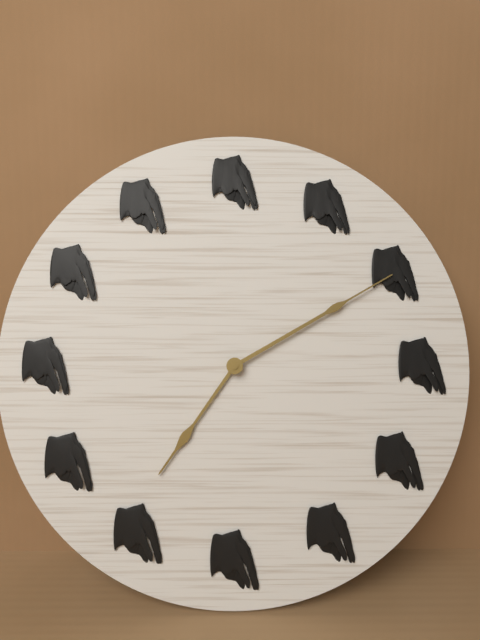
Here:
7,10
